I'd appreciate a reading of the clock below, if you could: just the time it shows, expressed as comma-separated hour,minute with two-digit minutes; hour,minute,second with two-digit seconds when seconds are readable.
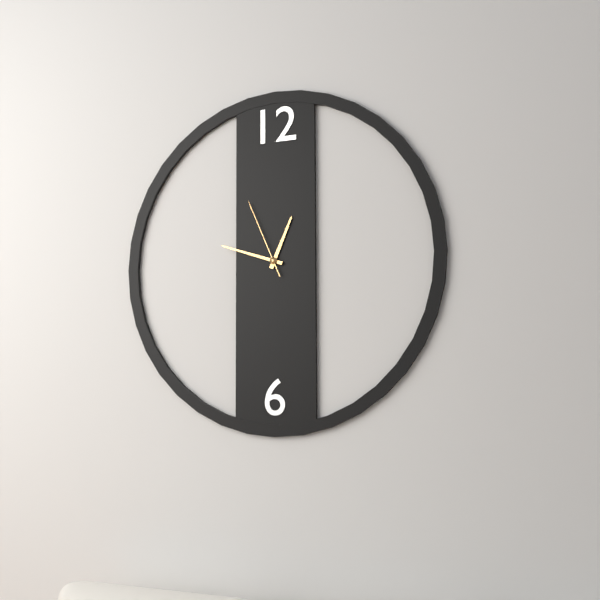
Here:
12,48,56
